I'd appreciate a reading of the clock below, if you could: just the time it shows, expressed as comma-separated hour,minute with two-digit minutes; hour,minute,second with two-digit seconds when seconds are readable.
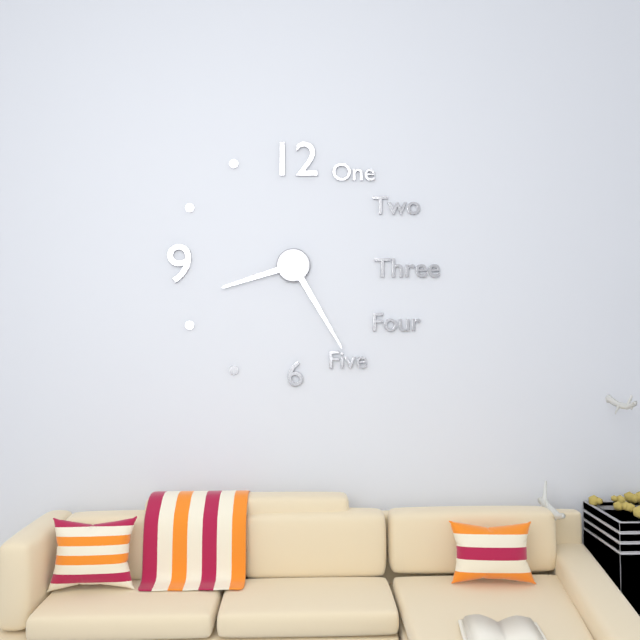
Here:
8,25
